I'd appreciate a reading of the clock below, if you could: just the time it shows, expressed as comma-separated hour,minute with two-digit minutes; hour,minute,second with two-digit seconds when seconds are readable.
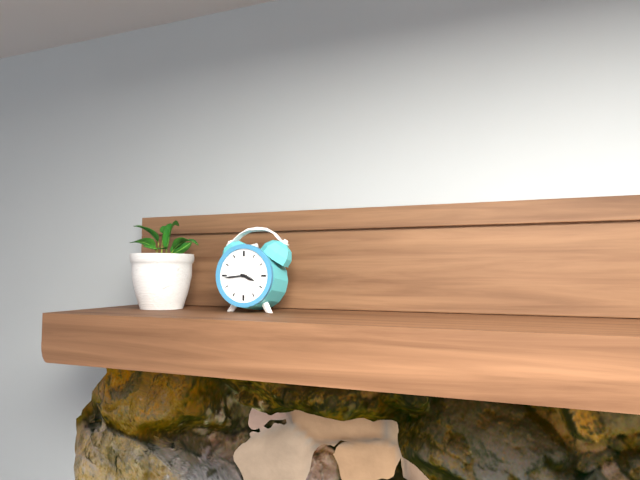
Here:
3,44
